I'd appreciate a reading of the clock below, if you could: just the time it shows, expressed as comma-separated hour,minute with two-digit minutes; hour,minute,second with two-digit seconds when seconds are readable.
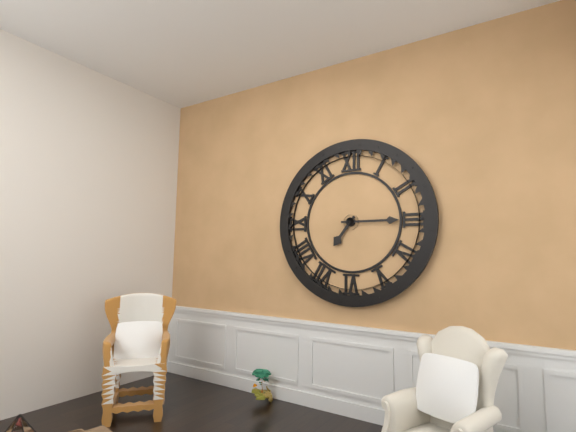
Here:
7,15
